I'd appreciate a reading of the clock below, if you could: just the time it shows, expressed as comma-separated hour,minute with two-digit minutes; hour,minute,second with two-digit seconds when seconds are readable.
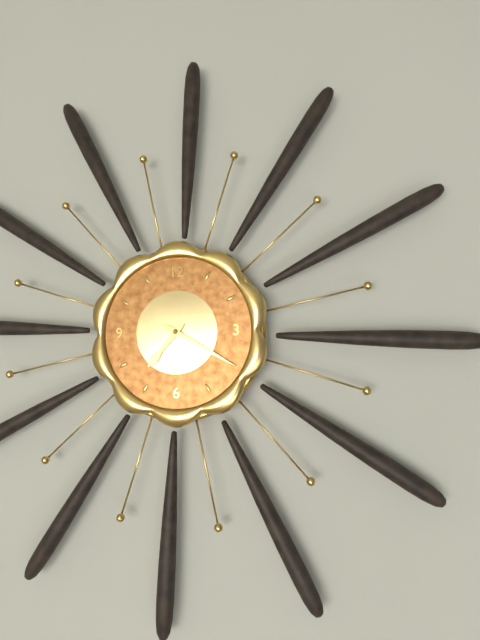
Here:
7,20
